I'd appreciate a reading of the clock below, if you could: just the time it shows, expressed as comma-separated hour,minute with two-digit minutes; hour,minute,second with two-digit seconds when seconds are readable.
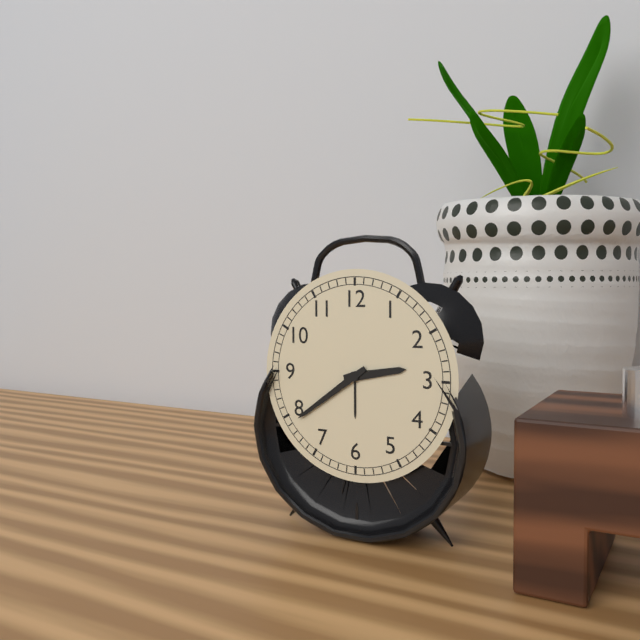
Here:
2,39
